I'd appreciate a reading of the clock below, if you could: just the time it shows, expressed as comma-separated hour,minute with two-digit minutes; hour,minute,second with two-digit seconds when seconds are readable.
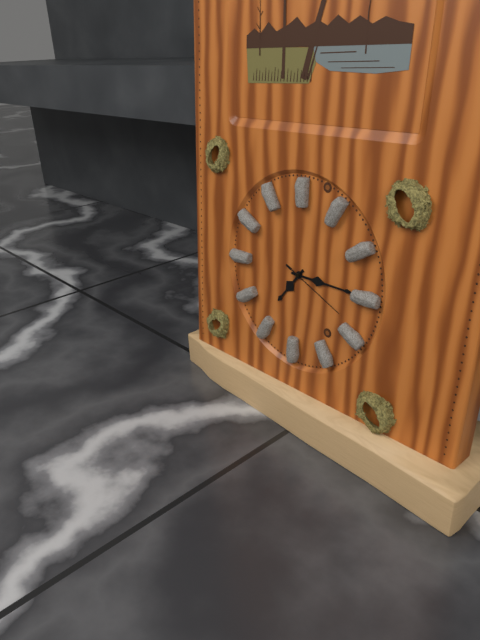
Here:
7,15,19
